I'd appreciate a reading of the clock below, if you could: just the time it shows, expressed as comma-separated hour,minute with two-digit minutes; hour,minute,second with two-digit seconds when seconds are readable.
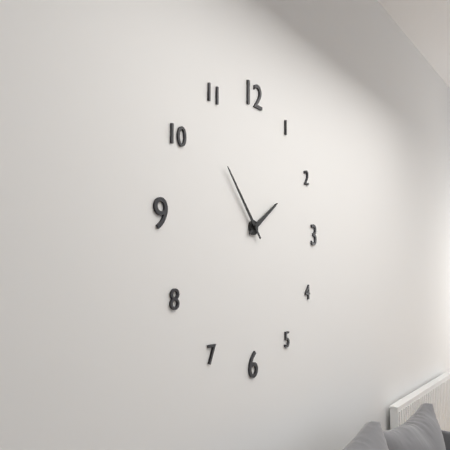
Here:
1,53
